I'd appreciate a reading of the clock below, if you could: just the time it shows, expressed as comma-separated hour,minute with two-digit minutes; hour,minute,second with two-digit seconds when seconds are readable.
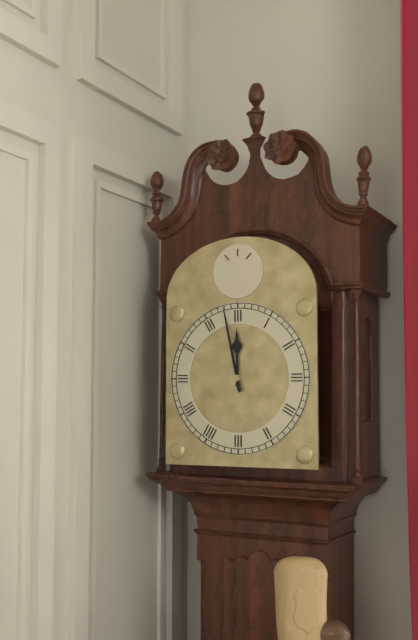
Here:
11,58
